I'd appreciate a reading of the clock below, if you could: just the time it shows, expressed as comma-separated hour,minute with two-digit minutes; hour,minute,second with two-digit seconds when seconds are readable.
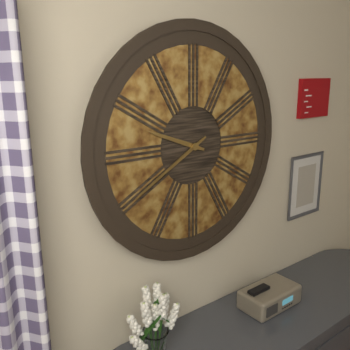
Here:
9,40
